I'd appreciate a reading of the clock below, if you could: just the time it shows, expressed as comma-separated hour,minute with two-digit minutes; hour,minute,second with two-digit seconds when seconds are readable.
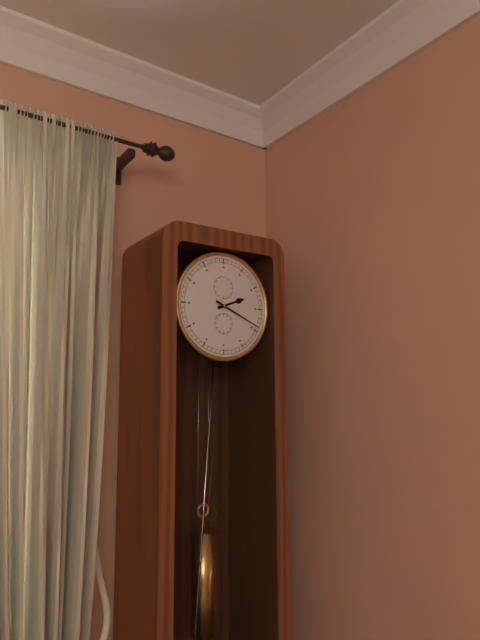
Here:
2,19
